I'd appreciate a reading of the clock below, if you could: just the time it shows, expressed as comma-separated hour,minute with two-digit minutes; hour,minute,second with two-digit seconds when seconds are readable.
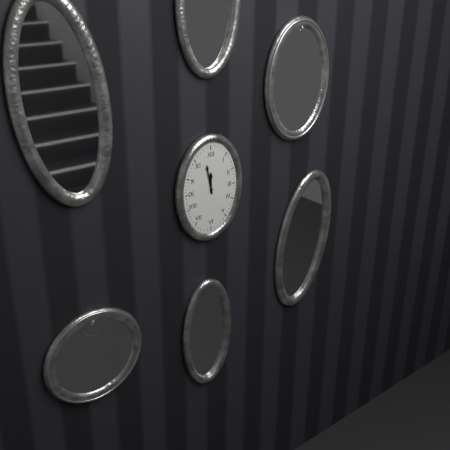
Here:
11,58
